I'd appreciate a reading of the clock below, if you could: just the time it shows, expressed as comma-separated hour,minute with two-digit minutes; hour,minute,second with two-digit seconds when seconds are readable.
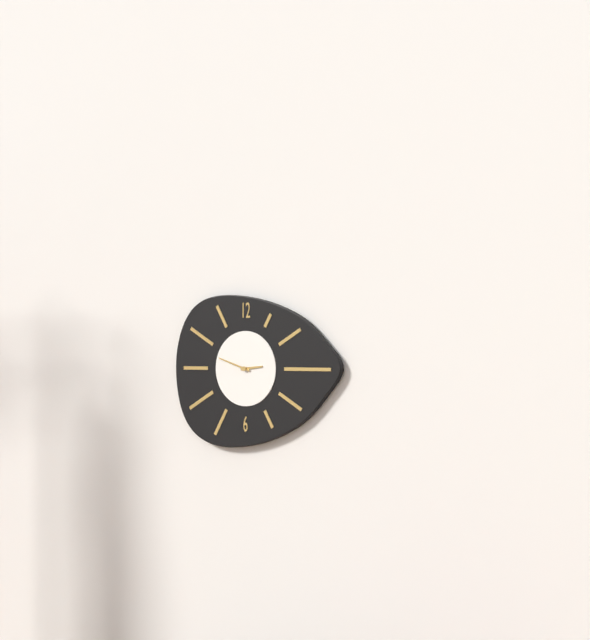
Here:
2,48
